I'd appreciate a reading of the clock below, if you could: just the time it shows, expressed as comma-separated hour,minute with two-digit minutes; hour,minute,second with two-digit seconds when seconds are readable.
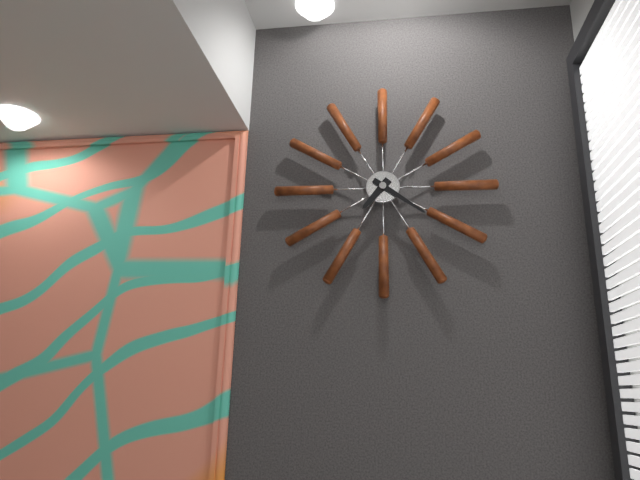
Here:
7,21
